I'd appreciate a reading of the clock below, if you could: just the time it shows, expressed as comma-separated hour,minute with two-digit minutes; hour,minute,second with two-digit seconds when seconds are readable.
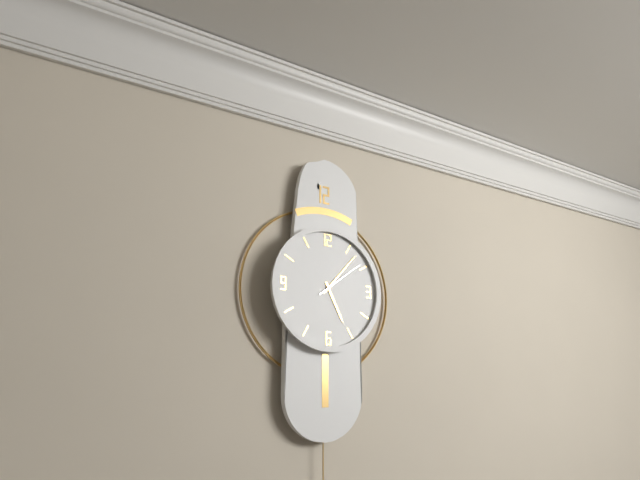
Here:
5,07,09
